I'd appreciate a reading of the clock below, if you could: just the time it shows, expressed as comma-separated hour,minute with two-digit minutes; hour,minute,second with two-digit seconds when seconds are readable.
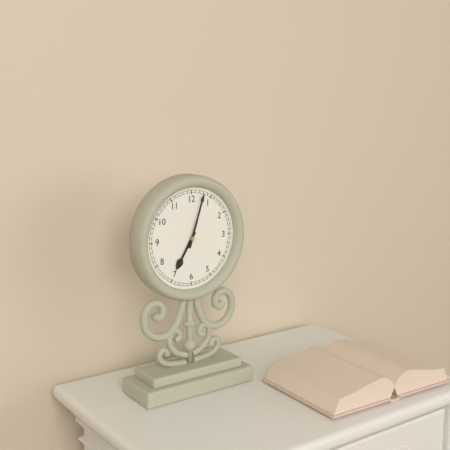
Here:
7,03
